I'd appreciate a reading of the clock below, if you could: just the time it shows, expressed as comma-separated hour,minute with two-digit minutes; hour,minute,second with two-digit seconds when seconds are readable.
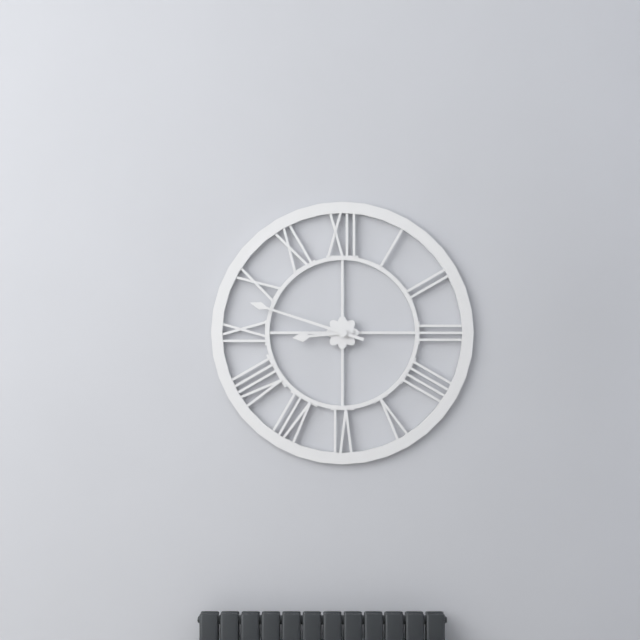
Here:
8,48
